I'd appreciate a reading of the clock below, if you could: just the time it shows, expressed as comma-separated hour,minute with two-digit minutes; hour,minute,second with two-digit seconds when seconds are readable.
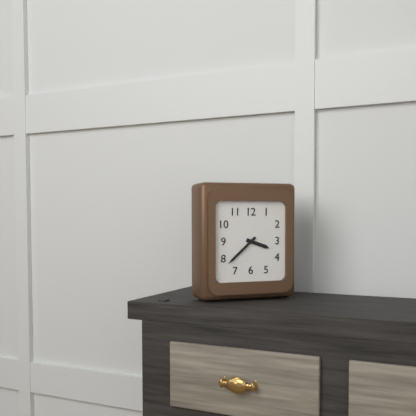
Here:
3,38
